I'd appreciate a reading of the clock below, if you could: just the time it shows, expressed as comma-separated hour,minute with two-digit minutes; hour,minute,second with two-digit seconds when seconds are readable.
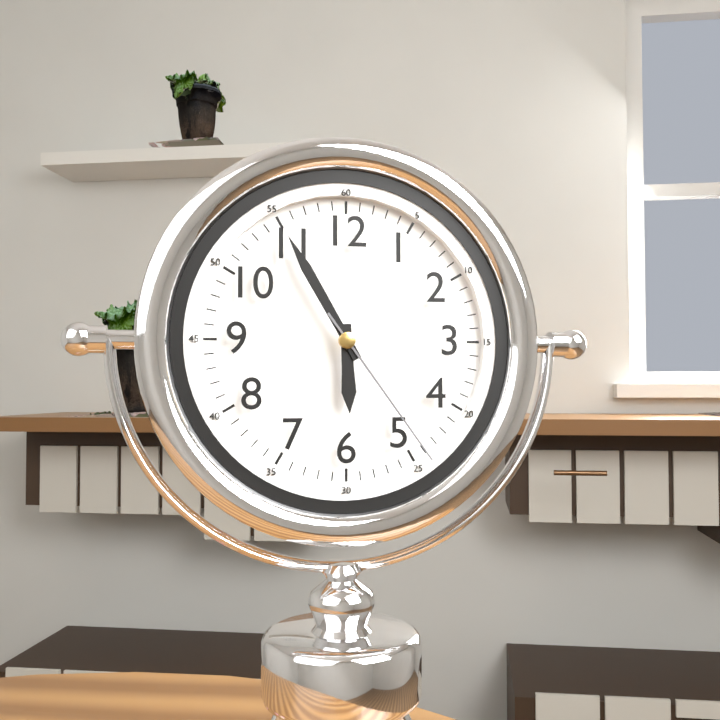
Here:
5,55,24
